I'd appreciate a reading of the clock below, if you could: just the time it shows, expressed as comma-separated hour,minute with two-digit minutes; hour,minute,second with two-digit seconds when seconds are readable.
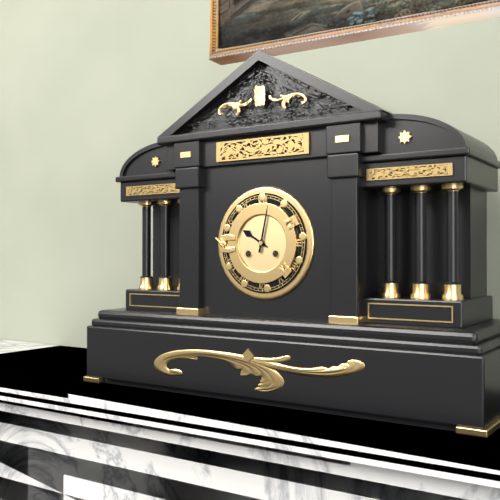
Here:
10,02
